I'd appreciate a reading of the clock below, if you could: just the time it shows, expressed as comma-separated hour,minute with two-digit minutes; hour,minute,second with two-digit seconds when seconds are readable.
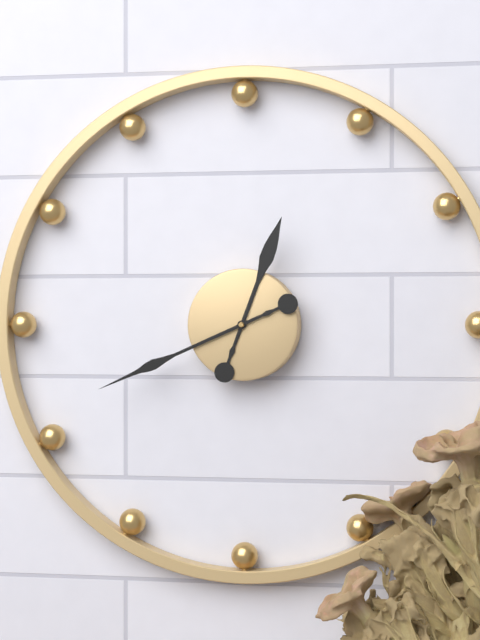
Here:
12,41
